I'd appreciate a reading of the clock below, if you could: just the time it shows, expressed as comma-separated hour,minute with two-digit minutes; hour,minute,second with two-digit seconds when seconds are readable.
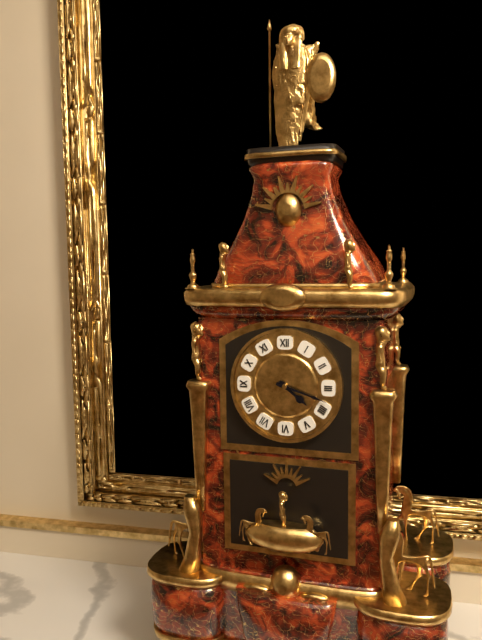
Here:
4,18
